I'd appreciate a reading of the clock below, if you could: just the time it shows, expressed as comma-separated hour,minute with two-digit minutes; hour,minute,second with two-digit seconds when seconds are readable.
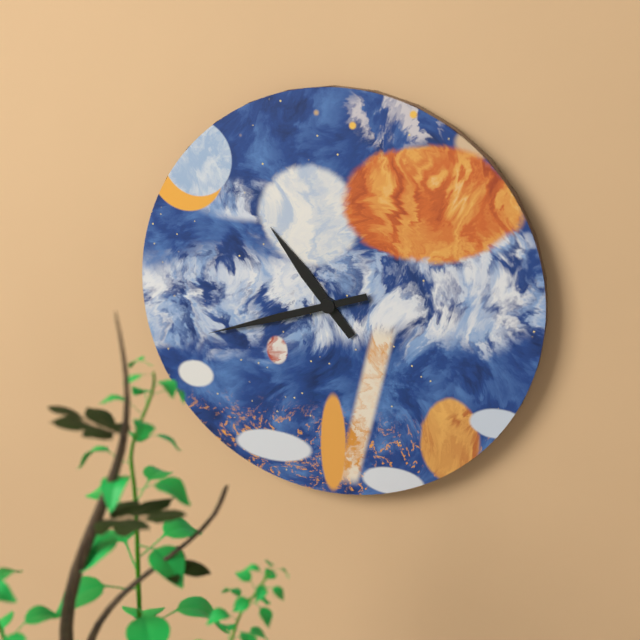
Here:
10,42
